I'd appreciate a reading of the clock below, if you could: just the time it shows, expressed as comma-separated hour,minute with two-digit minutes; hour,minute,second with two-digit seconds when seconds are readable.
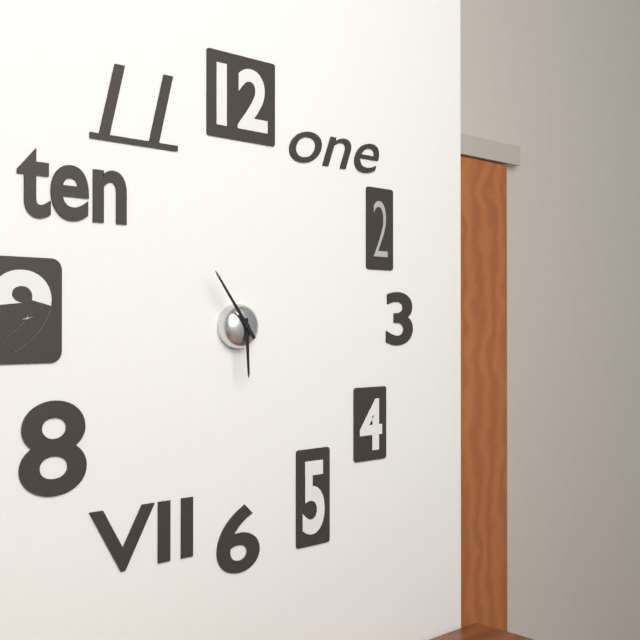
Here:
5,54
